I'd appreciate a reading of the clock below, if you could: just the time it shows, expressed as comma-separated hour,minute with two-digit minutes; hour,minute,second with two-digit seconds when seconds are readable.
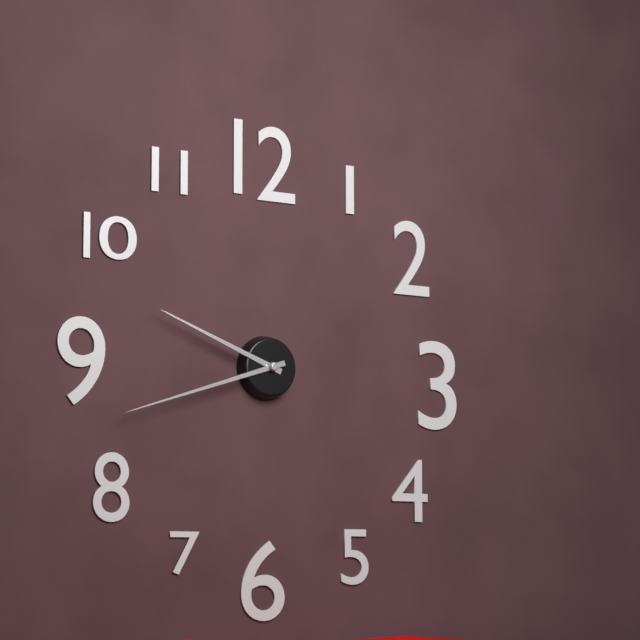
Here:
9,42
